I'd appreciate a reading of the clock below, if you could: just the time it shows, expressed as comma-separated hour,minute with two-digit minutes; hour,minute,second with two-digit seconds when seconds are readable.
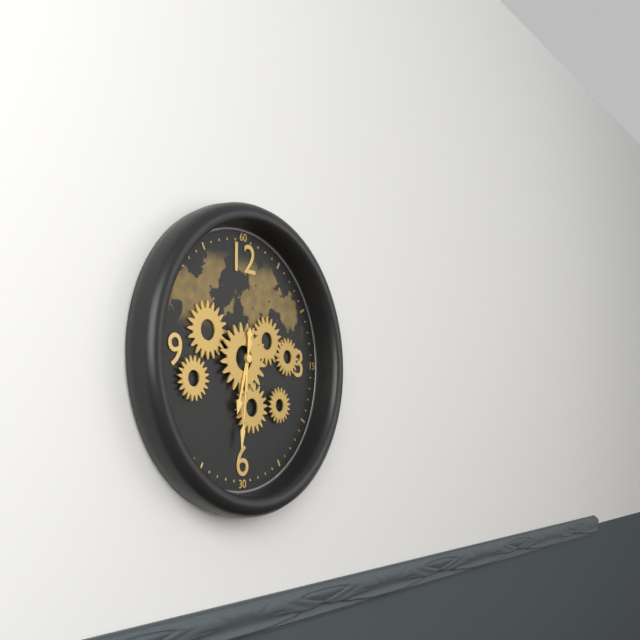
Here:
6,31
